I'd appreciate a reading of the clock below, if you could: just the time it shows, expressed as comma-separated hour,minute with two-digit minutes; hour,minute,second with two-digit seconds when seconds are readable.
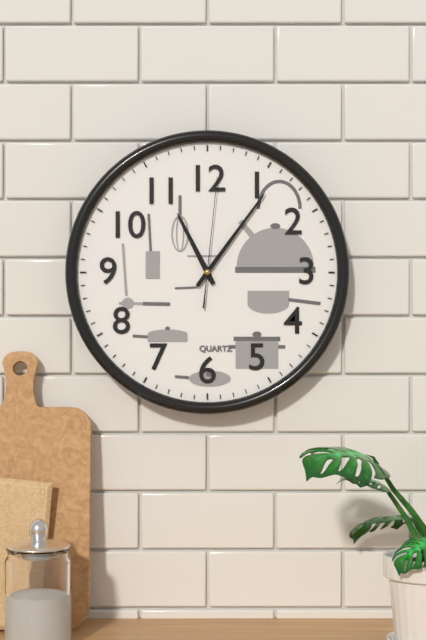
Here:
11,06,01
